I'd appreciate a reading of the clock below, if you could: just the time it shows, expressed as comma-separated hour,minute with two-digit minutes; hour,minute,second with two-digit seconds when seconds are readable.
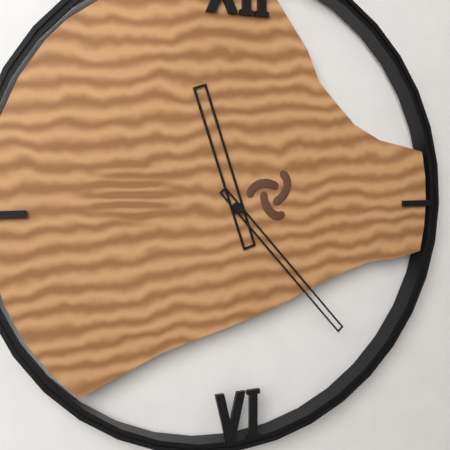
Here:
11,23
